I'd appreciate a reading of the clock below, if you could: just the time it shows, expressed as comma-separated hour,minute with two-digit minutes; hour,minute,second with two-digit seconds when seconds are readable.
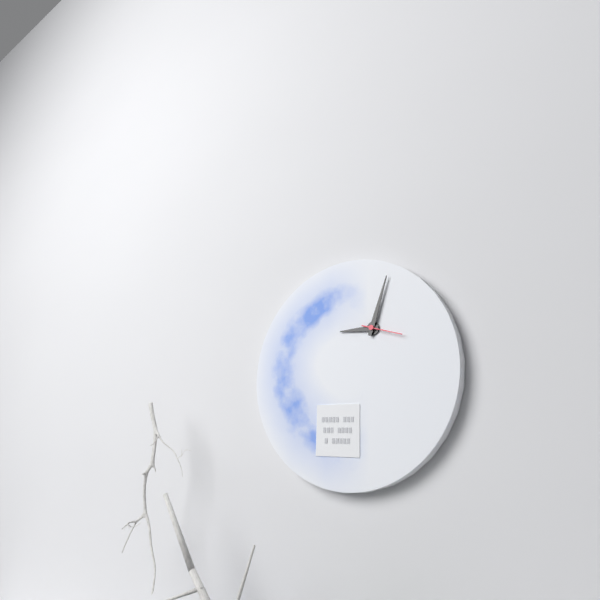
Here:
9,03
